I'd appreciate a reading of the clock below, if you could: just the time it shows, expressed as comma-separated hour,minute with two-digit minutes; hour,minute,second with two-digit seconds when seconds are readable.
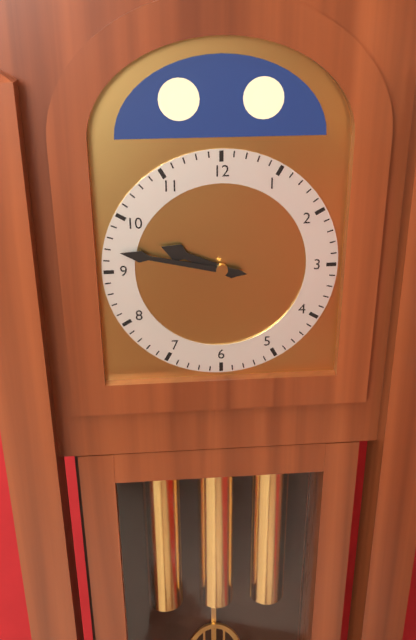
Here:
9,47
